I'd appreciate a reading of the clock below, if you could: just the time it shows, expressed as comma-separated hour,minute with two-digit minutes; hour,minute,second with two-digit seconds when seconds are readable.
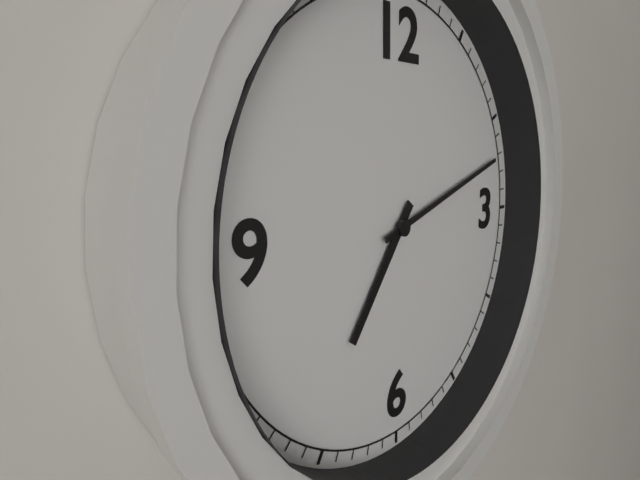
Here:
7,12
